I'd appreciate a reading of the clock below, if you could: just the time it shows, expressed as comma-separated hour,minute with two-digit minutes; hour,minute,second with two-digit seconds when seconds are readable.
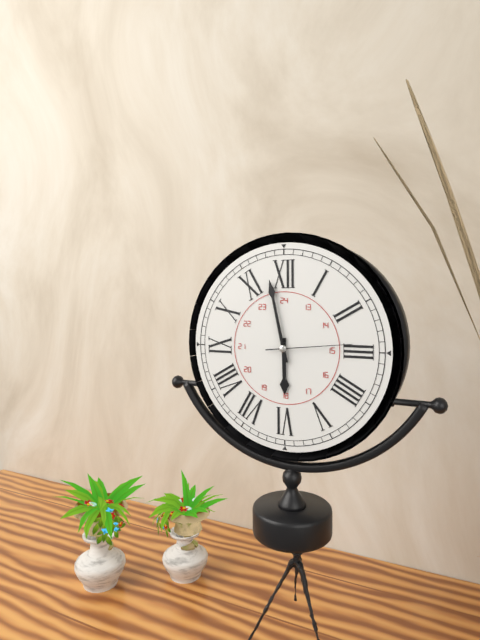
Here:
5,58,14
